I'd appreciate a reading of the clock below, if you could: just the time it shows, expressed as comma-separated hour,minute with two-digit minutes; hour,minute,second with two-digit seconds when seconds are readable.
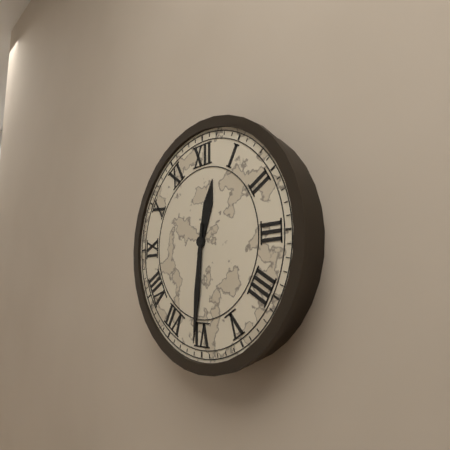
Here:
12,31
